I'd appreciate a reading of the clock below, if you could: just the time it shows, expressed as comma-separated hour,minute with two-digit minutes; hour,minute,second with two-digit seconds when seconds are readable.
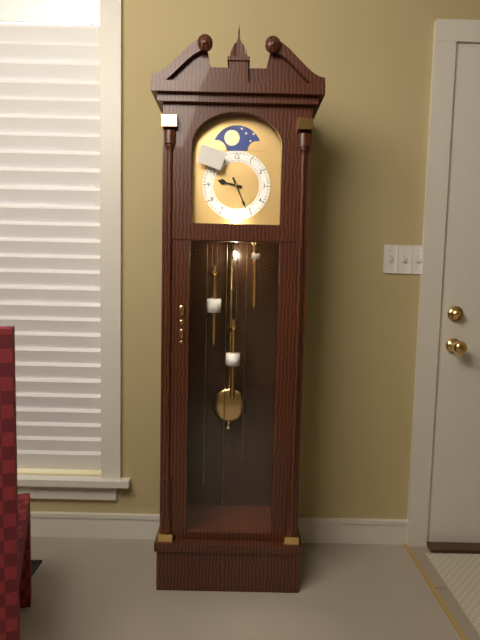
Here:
9,26
